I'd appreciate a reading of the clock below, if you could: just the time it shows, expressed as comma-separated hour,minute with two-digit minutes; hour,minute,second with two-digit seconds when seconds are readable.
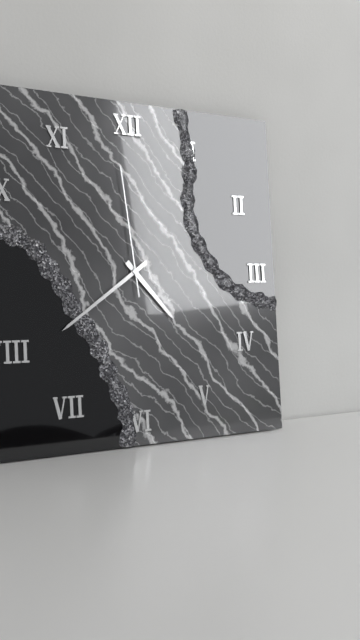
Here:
4,39,59
